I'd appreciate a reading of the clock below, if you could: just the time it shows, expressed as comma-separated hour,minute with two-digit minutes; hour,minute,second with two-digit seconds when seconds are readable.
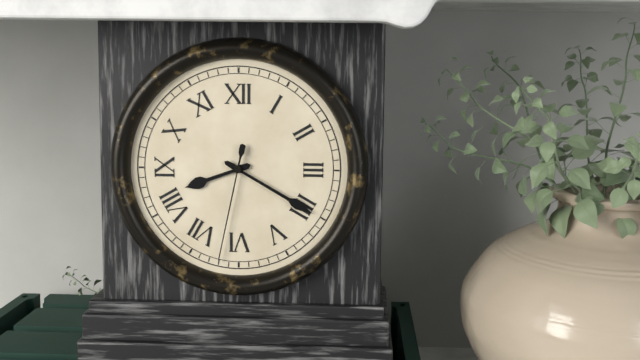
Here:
8,20,32
